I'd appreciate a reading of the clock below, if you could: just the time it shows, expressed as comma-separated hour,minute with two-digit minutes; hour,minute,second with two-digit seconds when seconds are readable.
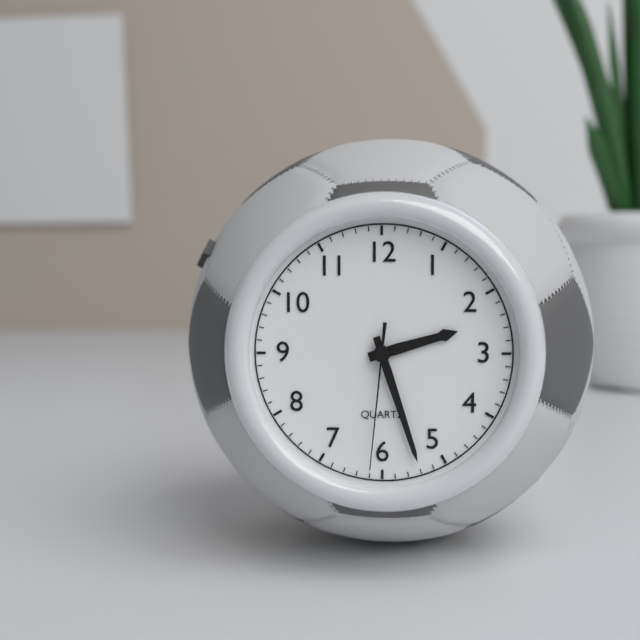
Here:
2,27,31
